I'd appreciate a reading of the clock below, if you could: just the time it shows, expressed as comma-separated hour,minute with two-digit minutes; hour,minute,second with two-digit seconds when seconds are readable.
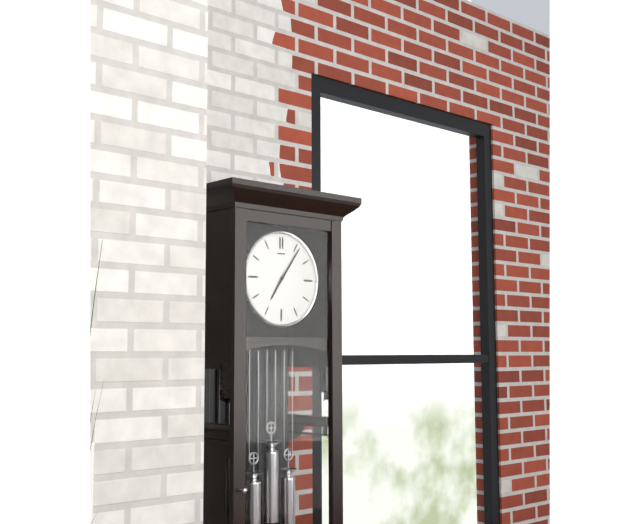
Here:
7,06
